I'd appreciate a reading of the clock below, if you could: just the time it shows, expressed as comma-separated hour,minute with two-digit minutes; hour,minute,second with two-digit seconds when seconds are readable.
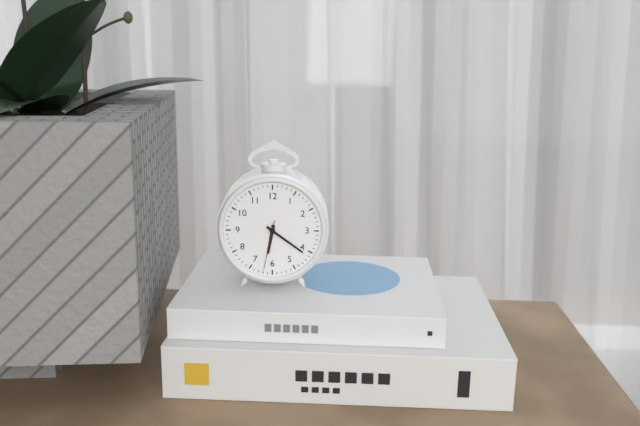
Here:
6,21,32
